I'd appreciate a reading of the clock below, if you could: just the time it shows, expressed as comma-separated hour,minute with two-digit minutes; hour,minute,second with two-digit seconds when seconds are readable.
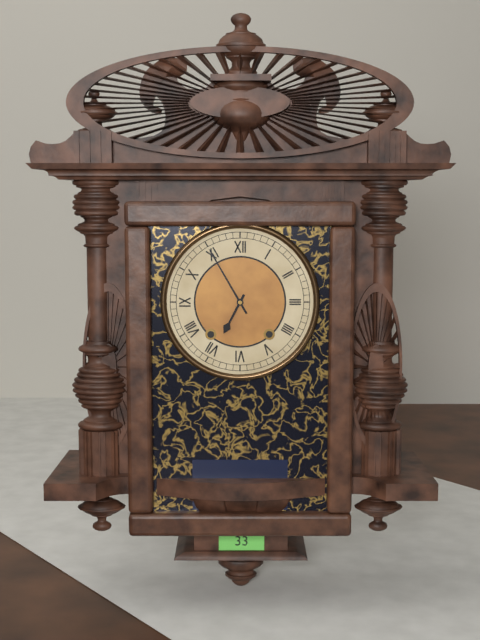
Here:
6,55
